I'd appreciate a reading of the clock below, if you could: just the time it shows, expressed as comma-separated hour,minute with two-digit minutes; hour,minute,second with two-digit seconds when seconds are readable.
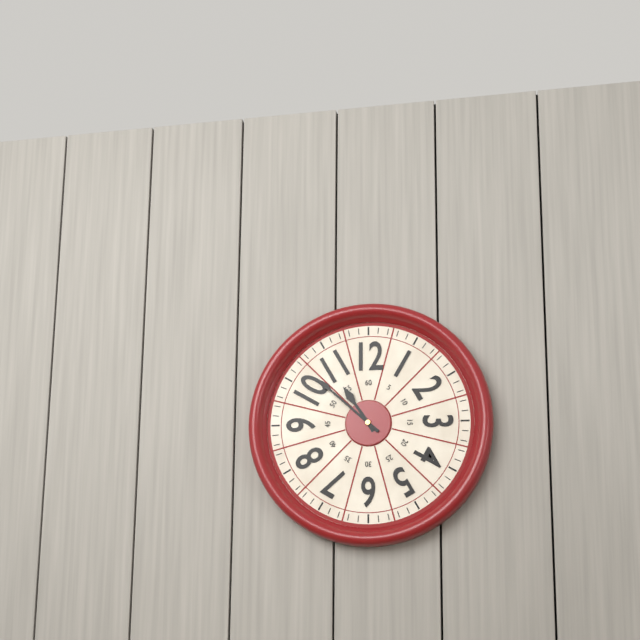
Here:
10,52
